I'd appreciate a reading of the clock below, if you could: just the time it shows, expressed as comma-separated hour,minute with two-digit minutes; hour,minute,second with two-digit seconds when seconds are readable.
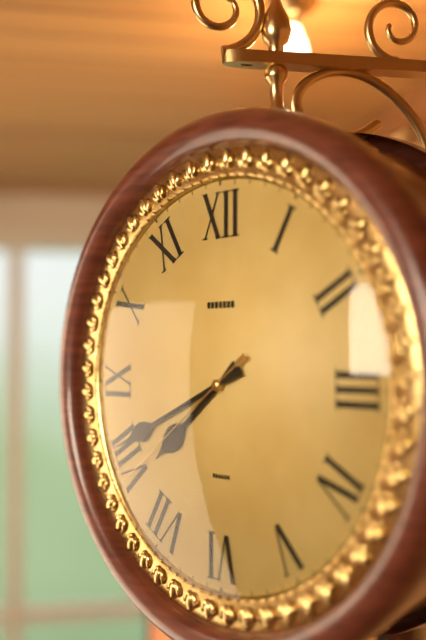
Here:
7,41,39
